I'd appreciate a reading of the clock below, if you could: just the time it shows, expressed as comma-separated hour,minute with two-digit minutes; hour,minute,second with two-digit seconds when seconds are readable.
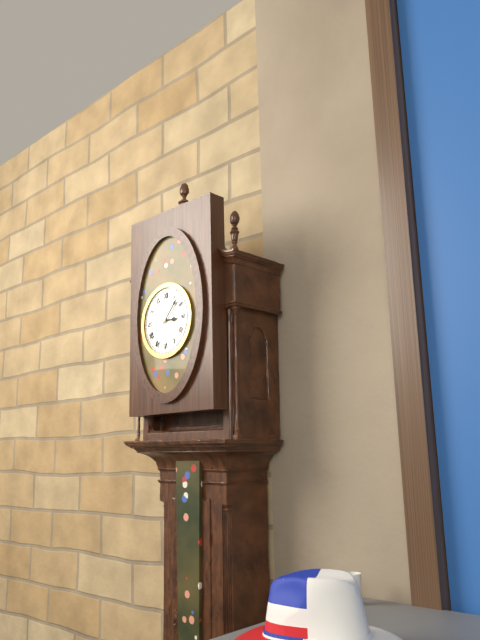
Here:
3,07
